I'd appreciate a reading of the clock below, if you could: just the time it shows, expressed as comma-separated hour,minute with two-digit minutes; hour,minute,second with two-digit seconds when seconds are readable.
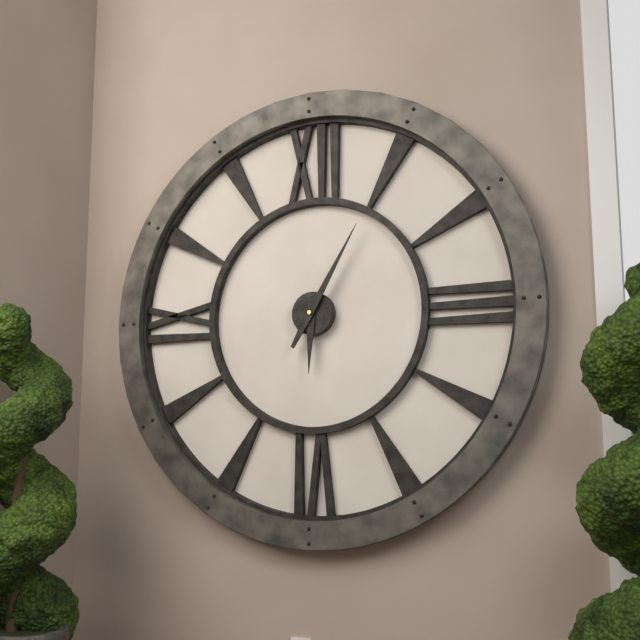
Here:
6,05
